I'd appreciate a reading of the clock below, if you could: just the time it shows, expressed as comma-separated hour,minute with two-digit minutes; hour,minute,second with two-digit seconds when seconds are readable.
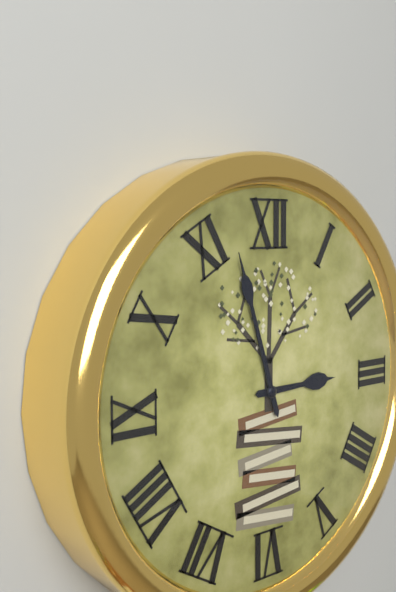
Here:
2,57
